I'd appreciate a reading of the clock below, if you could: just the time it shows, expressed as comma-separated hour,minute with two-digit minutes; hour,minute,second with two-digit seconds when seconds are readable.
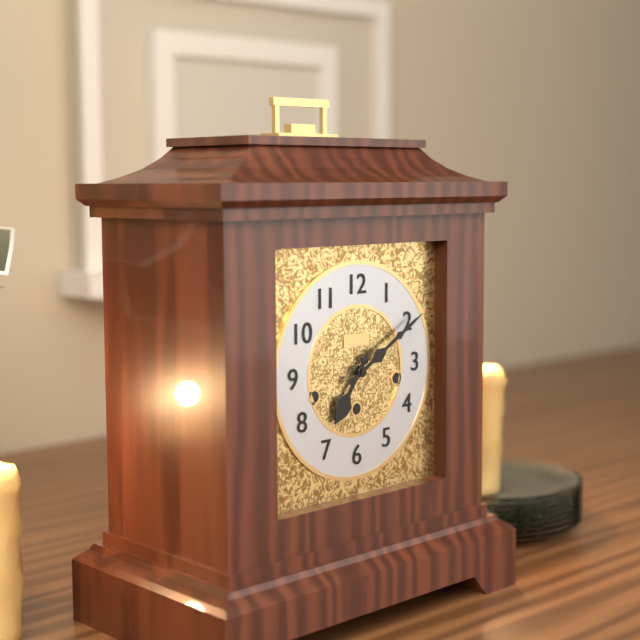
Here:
7,10
